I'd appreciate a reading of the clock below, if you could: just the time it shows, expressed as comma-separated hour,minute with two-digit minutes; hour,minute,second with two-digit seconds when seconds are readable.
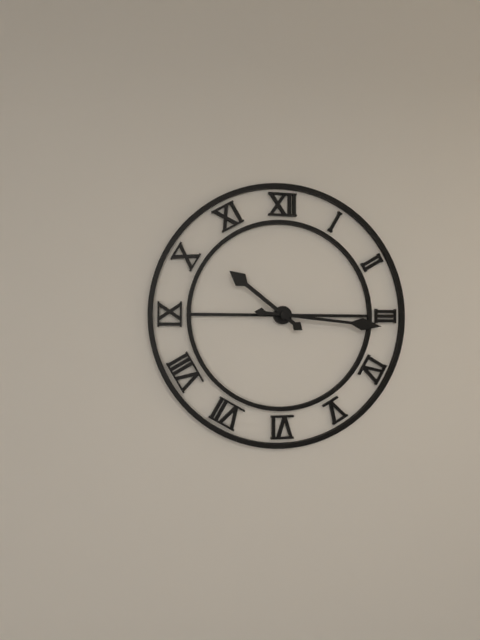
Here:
10,16
